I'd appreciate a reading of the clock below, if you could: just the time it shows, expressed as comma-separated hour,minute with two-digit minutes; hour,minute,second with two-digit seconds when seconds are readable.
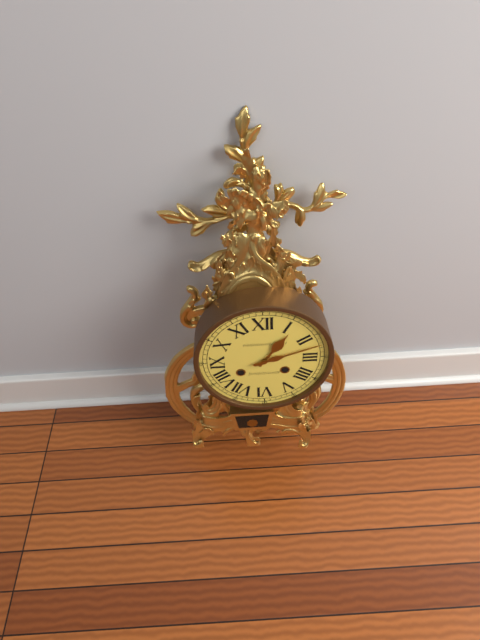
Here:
1,12
